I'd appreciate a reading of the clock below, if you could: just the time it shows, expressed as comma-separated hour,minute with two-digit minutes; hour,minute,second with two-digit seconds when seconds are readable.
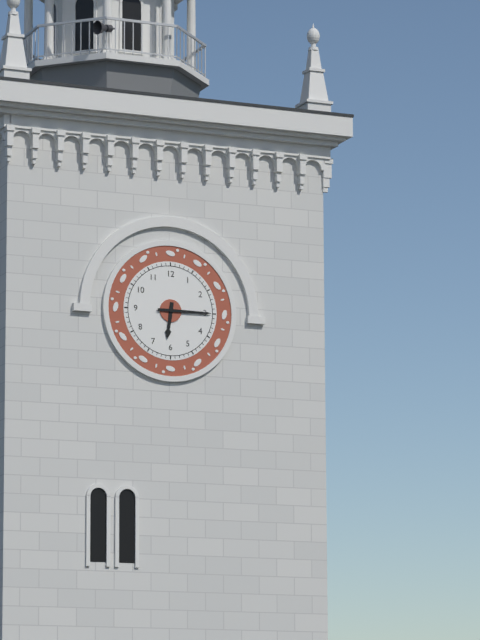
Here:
6,15
